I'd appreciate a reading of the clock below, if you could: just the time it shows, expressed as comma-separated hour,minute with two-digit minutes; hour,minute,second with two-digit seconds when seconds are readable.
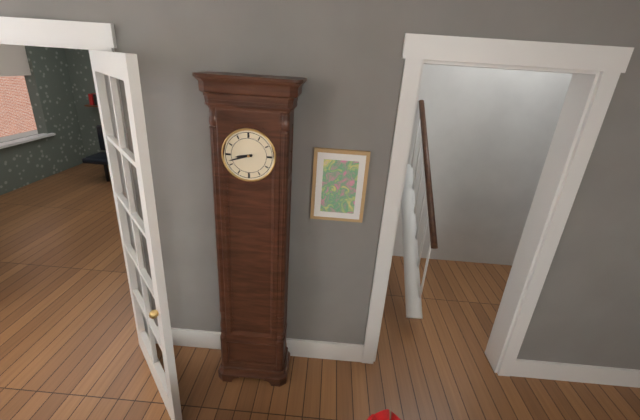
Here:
8,42
